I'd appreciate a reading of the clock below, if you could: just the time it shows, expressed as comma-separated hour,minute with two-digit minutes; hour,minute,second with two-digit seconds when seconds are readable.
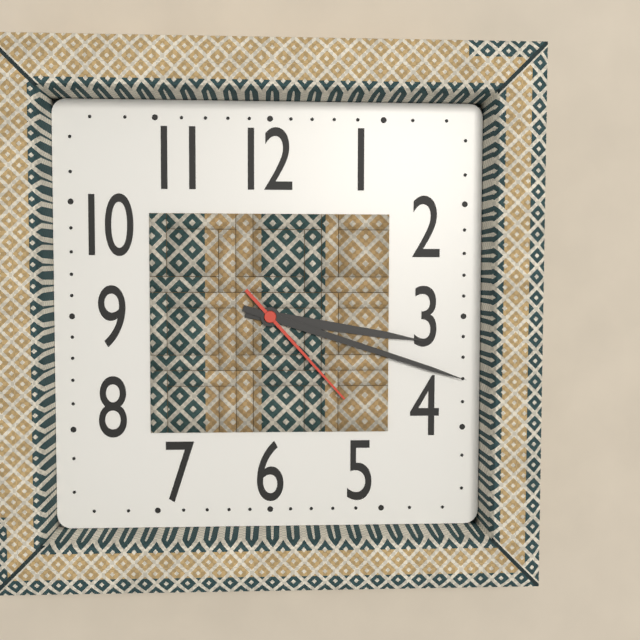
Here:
3,18,23
